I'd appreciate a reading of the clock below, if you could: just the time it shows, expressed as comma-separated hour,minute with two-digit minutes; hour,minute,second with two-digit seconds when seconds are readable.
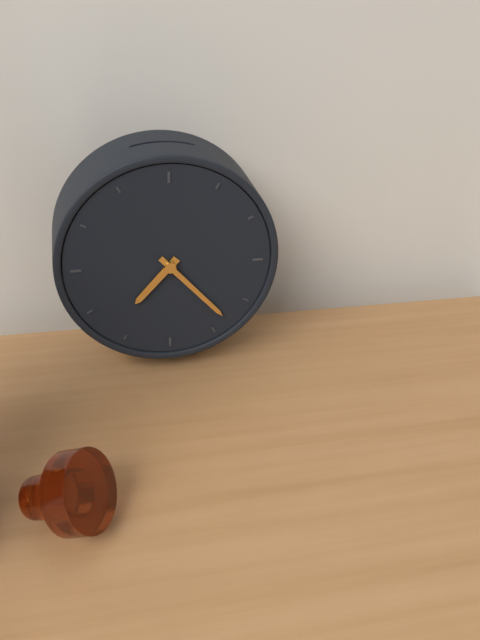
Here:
7,23
